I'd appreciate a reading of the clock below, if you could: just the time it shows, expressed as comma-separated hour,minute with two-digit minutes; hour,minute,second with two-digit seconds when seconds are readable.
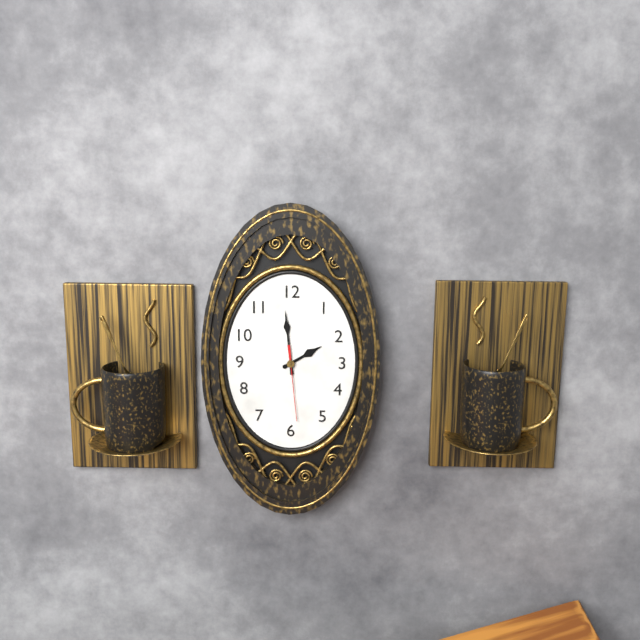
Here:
1,59,29
